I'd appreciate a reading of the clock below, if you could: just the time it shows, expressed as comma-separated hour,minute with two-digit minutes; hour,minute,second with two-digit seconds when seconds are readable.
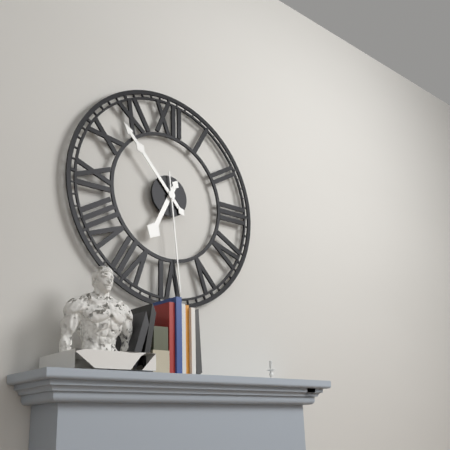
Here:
6,53,29
